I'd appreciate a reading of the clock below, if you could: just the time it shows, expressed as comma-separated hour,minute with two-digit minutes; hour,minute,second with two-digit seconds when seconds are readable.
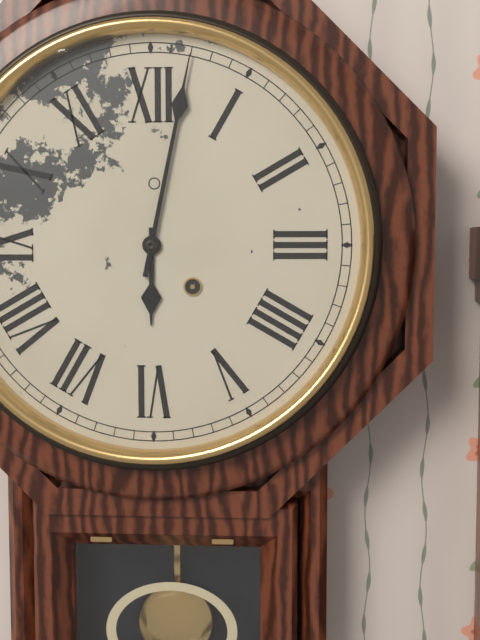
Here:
6,02
